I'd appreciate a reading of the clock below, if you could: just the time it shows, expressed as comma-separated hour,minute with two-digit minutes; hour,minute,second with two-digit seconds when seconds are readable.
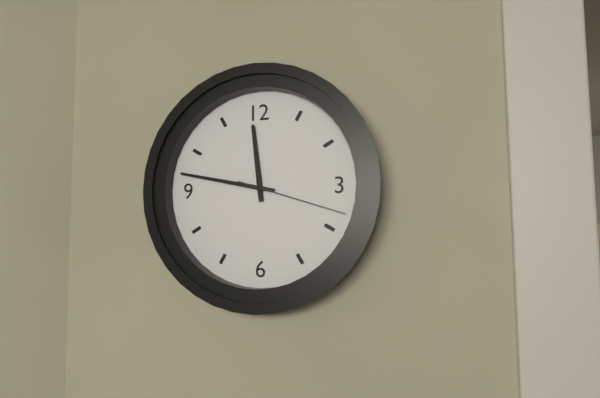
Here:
11,47,18
